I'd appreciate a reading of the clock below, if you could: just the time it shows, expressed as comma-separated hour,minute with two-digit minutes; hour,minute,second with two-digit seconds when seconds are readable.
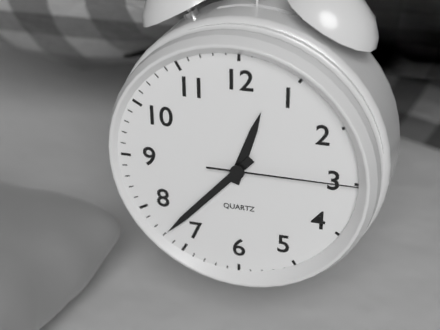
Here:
12,37,15
